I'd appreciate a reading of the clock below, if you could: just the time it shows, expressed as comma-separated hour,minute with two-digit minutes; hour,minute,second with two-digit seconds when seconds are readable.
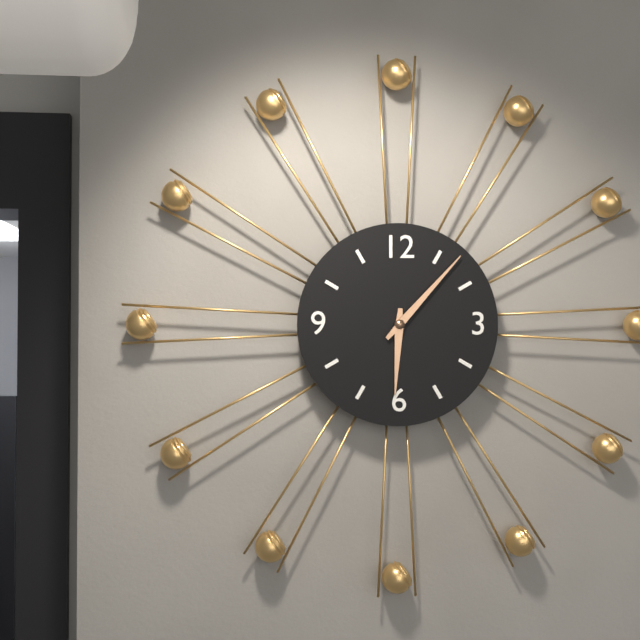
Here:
6,07
